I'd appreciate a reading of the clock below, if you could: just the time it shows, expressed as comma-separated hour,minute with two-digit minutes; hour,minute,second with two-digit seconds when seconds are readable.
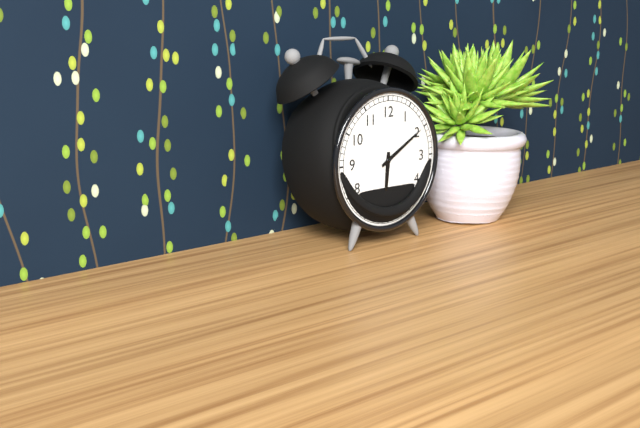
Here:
6,10
